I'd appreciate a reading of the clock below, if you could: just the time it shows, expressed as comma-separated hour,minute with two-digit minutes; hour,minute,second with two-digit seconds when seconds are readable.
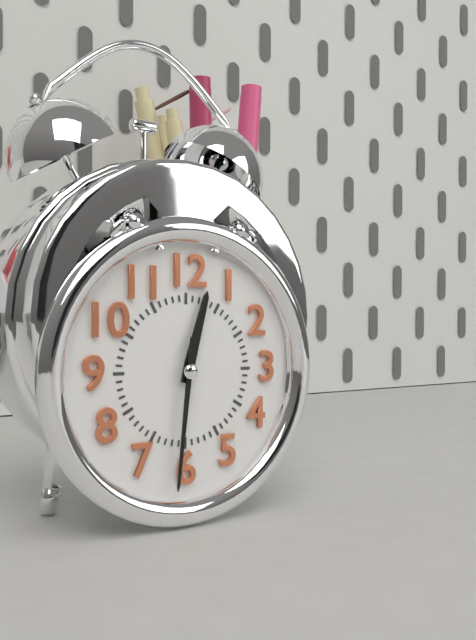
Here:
12,31
